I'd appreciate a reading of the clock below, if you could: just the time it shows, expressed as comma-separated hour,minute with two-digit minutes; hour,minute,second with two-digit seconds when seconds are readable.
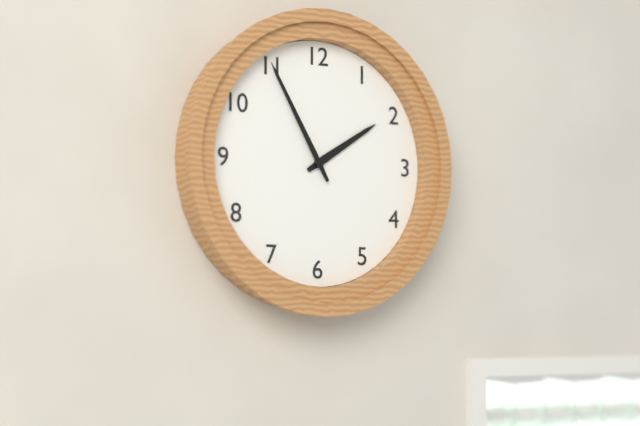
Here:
1,55
